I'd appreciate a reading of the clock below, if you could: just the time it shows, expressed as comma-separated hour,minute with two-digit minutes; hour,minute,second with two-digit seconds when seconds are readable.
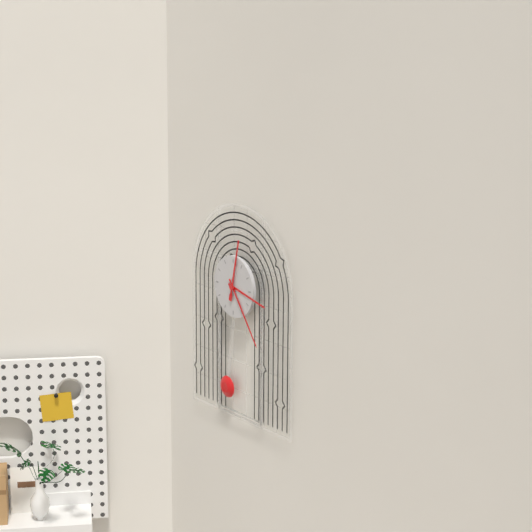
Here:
3,24,02
